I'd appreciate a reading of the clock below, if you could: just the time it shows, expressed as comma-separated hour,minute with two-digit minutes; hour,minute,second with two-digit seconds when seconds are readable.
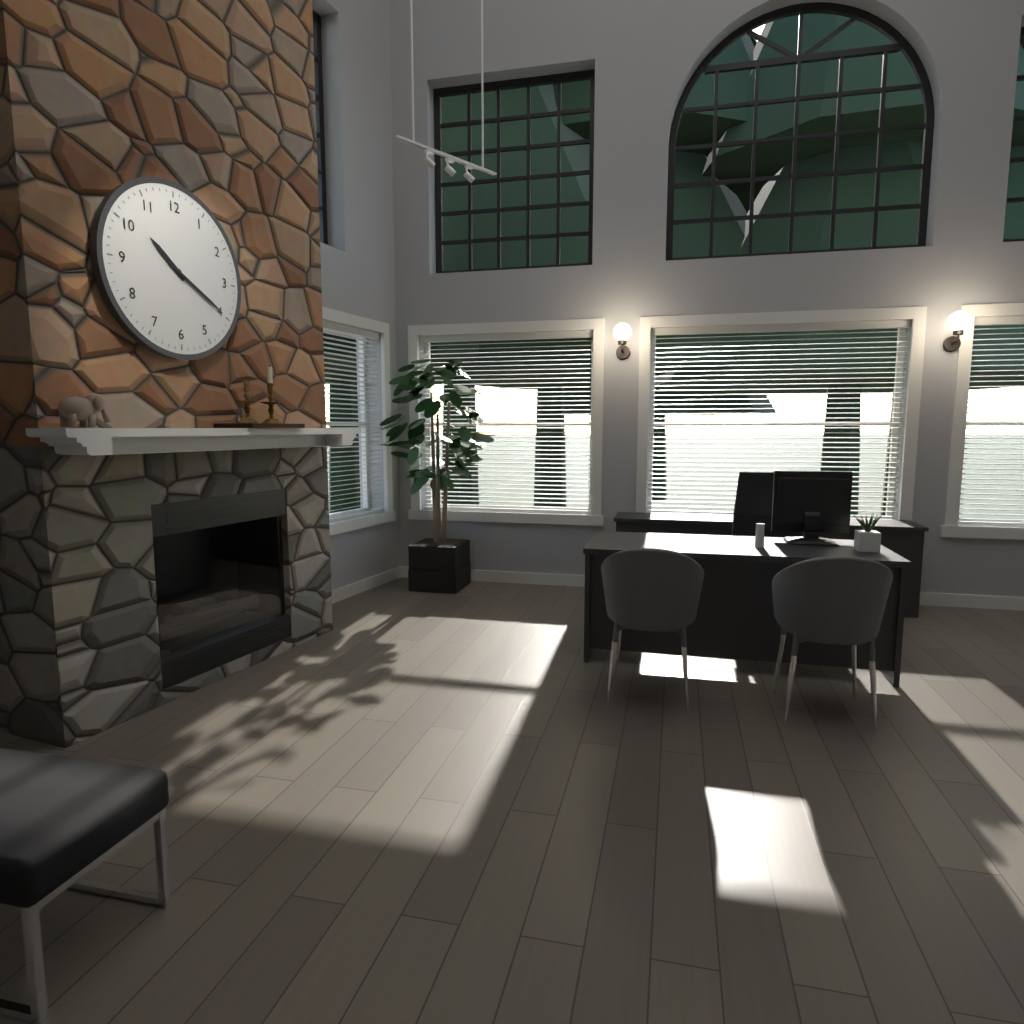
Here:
10,20
